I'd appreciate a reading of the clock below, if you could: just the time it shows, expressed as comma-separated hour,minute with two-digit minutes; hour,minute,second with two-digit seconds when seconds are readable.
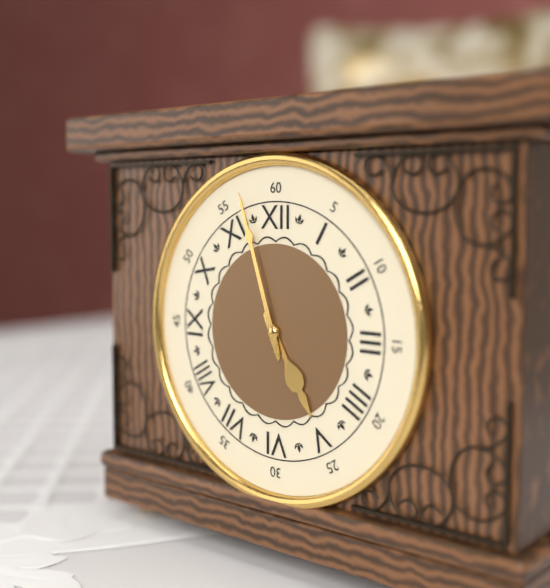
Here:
4,57
